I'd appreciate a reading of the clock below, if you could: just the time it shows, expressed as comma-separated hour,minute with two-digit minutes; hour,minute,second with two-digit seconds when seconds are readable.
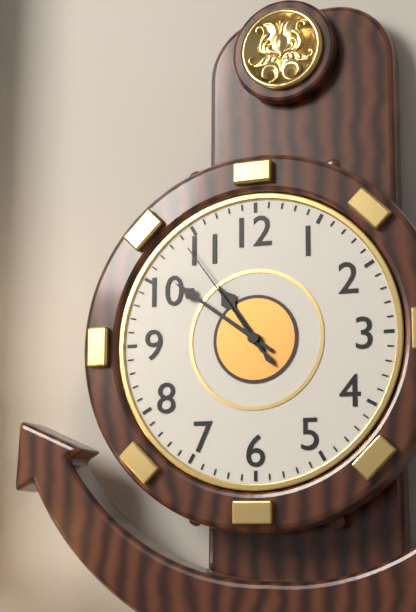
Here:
10,51,54
